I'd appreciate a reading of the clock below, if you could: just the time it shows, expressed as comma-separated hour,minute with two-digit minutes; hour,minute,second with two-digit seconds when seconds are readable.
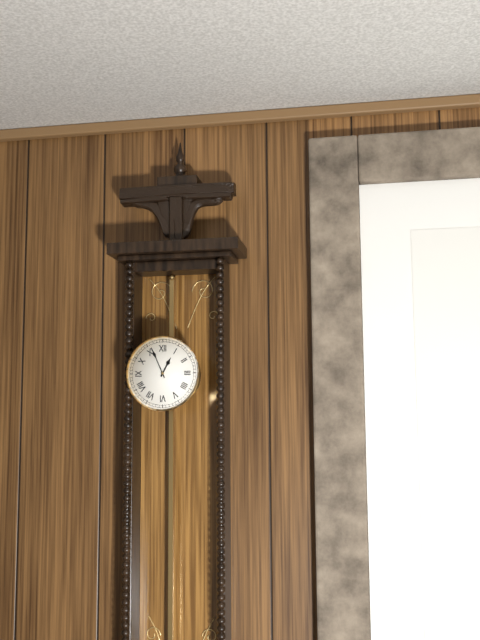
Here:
12,56
